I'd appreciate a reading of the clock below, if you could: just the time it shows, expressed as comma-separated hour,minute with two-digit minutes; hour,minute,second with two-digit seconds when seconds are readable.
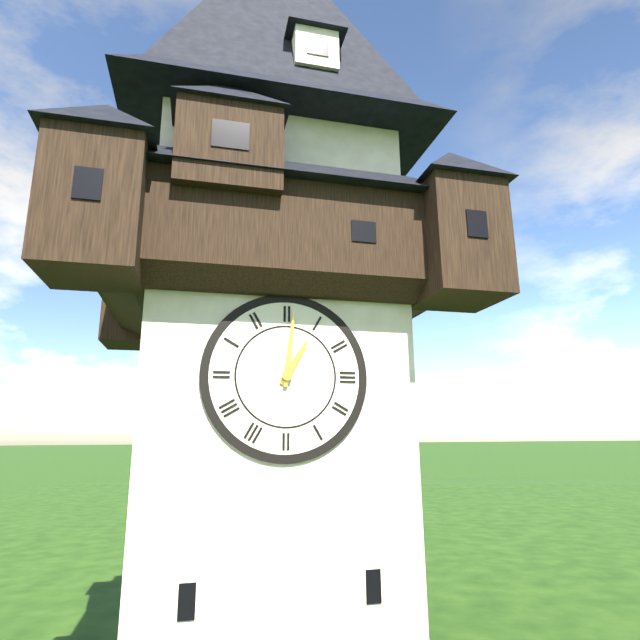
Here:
1,01
